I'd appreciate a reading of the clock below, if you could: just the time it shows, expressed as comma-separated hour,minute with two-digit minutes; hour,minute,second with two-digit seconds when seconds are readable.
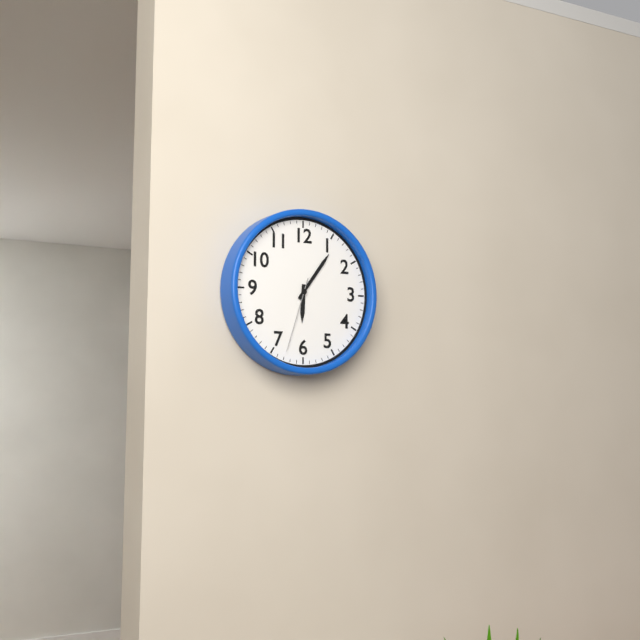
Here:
6,06,33
